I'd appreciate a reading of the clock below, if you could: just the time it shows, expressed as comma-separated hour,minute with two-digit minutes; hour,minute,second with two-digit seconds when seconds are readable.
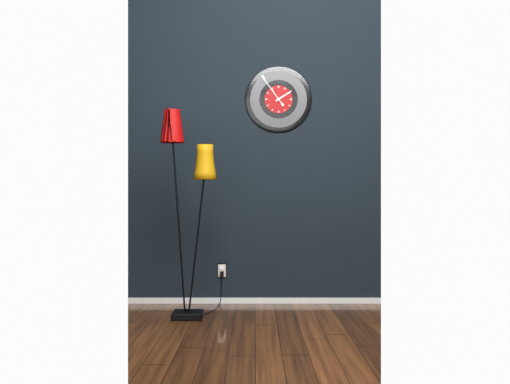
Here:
1,54
